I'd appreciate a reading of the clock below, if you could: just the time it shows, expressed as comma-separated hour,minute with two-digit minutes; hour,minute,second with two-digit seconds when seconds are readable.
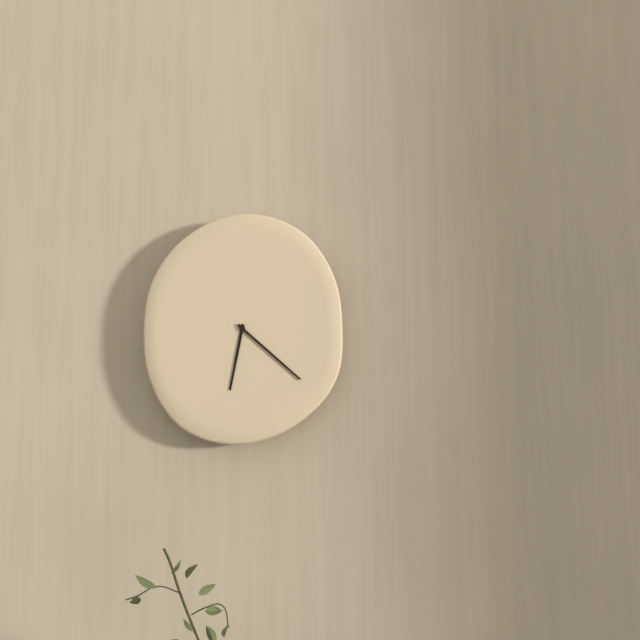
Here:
6,22
